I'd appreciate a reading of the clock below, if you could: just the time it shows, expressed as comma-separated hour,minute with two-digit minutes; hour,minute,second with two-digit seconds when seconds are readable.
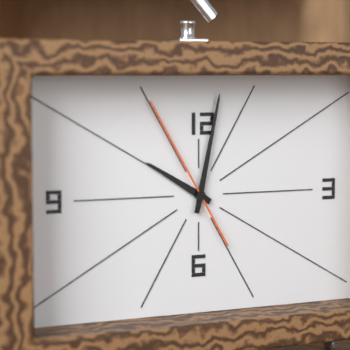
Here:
10,02,55
